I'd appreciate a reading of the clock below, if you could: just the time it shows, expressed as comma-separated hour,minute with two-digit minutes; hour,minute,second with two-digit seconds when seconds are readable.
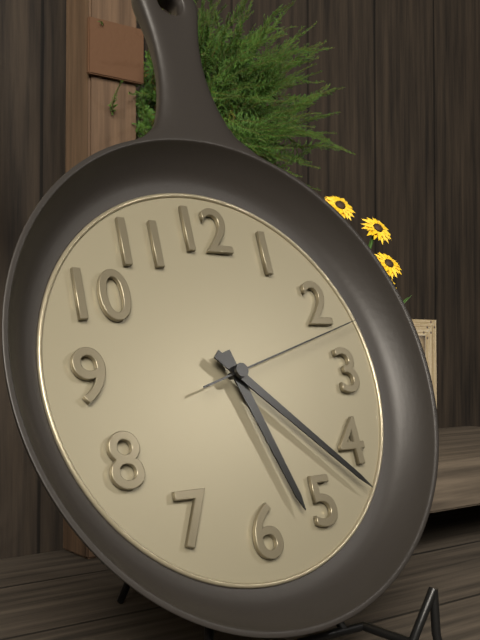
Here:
5,22,12
